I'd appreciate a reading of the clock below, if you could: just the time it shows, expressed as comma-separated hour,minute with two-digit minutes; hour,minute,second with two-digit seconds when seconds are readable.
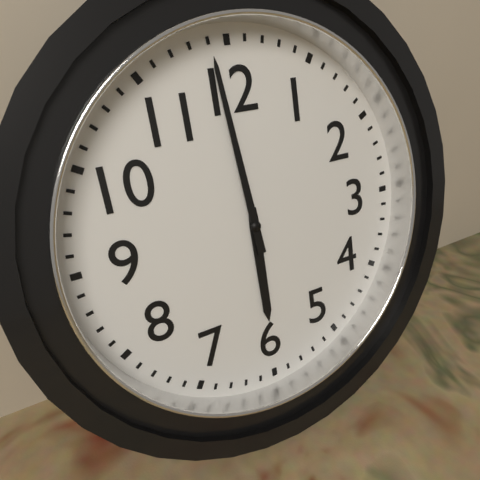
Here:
5,59
